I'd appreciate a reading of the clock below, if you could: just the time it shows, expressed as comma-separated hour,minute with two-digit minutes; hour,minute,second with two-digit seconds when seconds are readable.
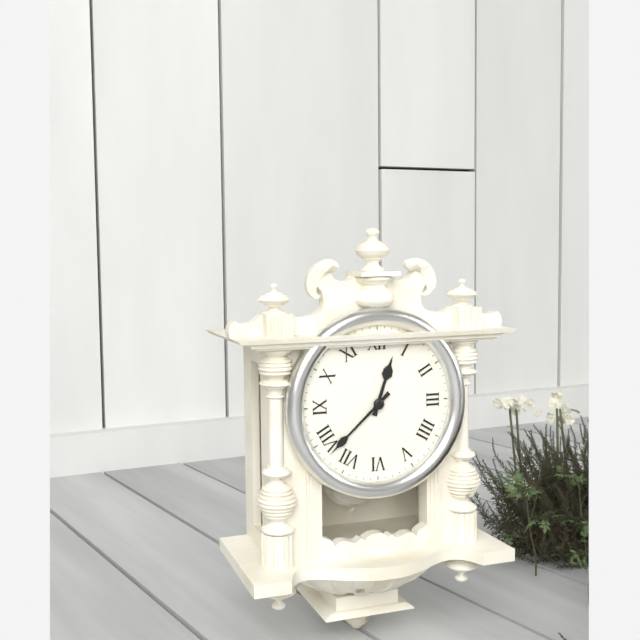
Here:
12,38
